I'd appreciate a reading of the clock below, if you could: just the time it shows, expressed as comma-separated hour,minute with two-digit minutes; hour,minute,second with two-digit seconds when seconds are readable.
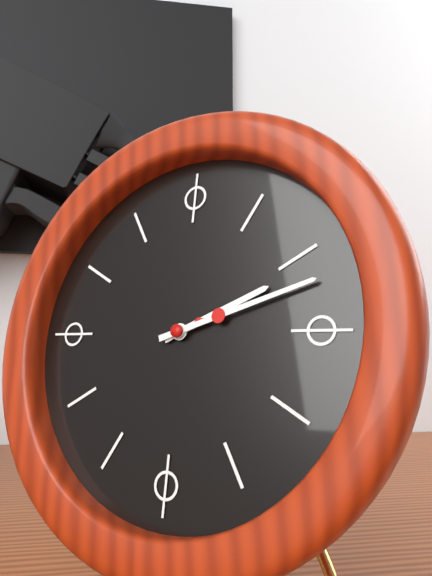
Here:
2,12
